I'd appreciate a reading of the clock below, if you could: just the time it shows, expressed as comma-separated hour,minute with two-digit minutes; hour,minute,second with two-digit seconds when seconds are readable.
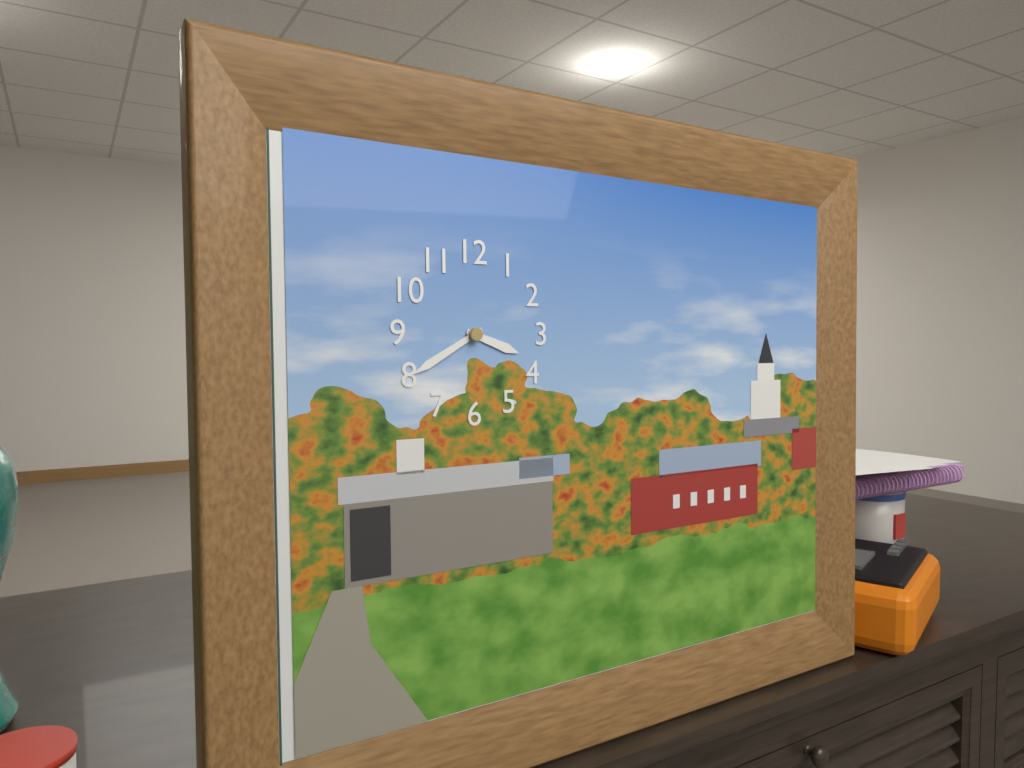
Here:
3,40
